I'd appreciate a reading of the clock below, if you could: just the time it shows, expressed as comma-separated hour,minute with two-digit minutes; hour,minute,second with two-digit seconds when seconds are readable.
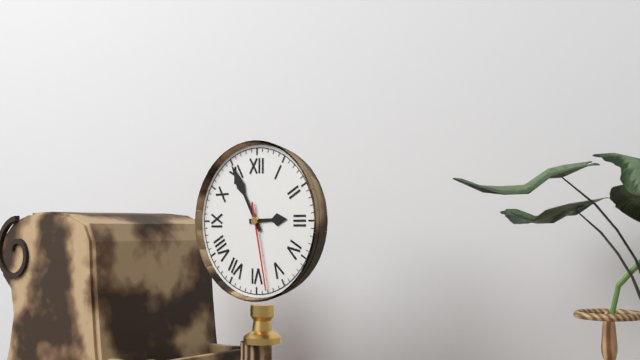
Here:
2,55,28
